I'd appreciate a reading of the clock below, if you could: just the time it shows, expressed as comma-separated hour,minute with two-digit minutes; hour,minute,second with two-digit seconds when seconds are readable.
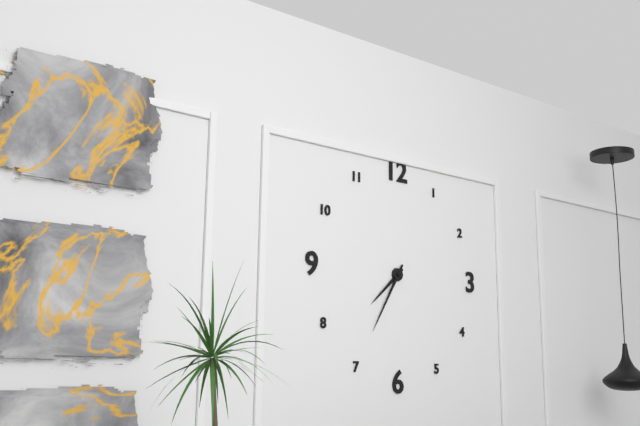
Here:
7,35
